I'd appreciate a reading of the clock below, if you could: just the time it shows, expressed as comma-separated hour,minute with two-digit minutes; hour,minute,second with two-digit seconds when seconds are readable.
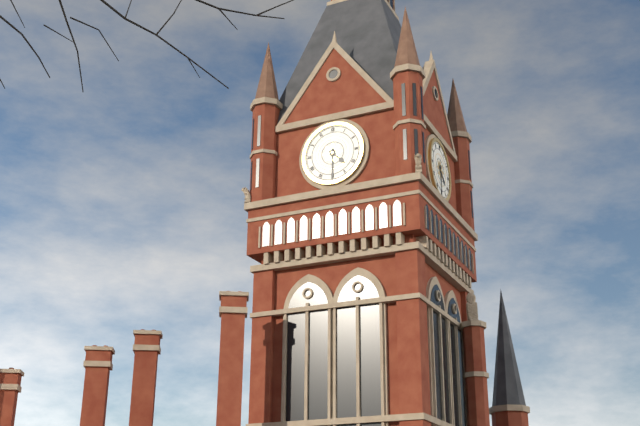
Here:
4,30
